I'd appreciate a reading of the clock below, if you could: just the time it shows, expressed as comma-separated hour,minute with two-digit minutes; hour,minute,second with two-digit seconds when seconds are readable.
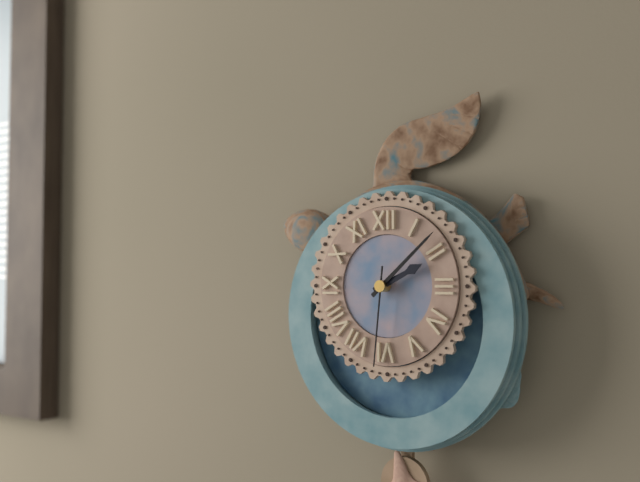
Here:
2,08,31
